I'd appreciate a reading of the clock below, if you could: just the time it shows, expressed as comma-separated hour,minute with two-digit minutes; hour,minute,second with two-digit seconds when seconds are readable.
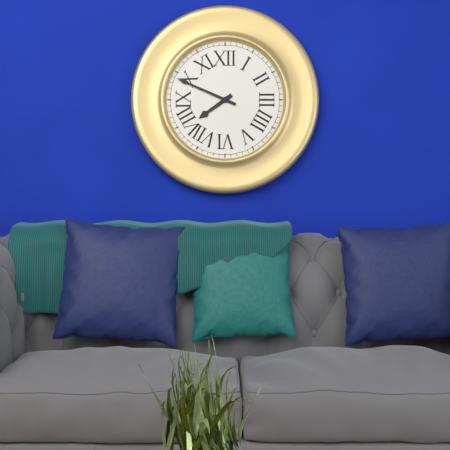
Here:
7,49
